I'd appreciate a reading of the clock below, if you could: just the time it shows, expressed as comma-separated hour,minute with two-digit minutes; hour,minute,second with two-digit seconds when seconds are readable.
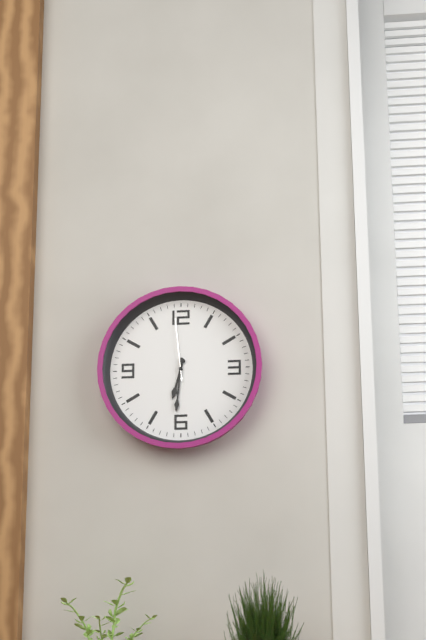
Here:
6,31,59
